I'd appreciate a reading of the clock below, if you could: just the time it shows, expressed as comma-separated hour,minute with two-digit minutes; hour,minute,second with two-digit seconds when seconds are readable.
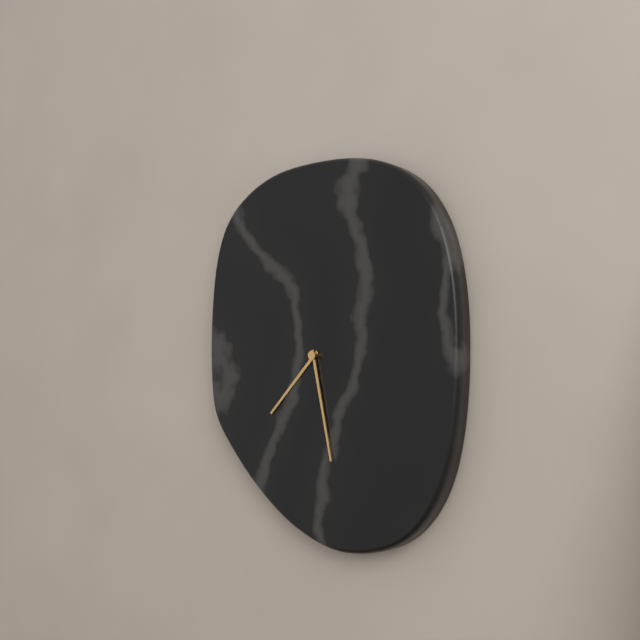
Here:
7,28
